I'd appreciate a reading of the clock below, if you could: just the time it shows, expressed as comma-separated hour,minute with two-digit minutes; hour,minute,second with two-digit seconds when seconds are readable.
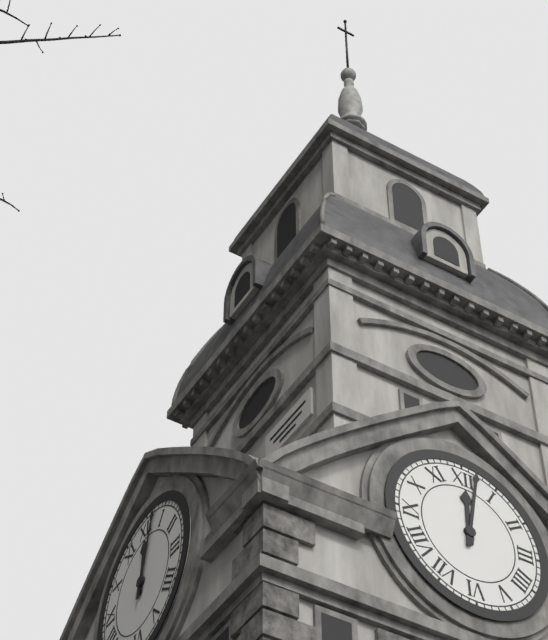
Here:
12,02
